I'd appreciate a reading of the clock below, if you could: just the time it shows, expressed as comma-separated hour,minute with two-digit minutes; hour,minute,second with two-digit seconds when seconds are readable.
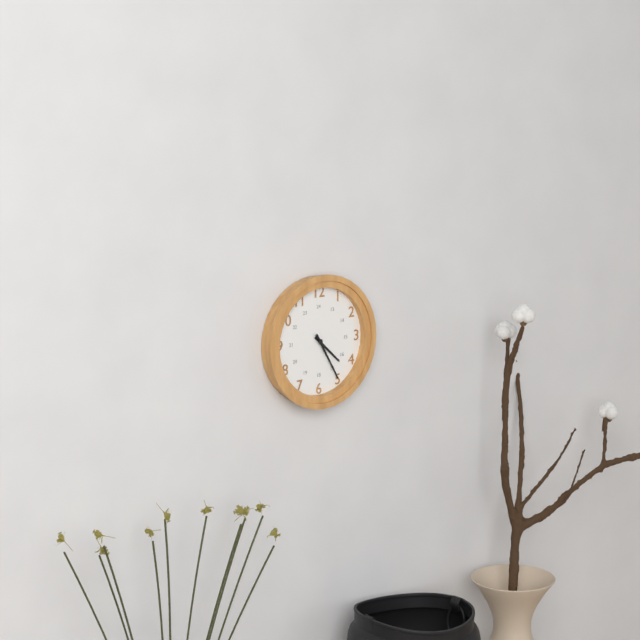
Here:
4,25
